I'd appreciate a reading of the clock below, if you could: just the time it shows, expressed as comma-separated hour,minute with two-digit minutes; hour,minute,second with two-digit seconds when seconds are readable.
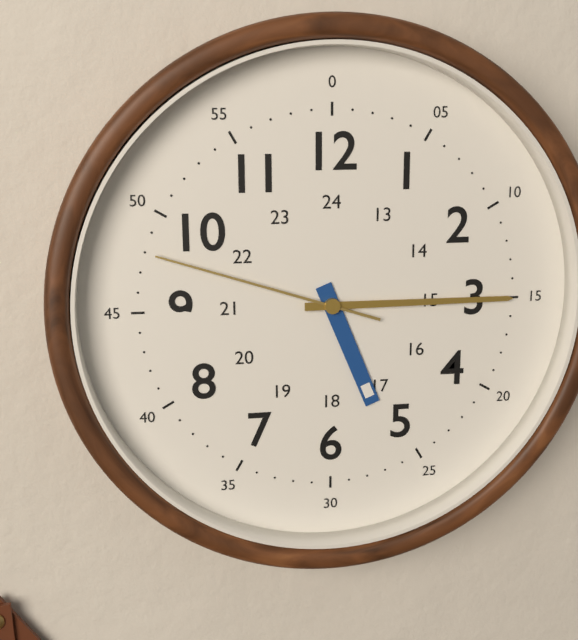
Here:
5,15,48
